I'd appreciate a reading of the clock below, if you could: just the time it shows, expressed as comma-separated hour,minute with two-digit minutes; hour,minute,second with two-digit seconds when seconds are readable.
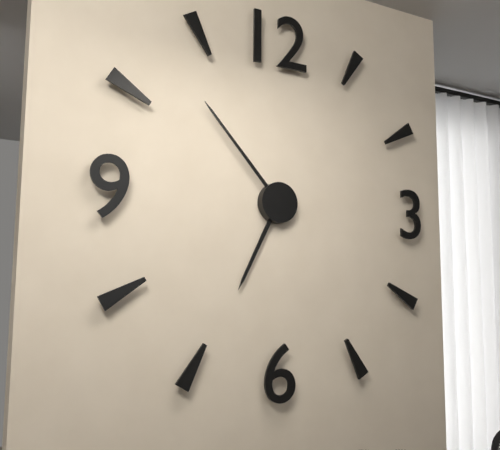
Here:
6,53
